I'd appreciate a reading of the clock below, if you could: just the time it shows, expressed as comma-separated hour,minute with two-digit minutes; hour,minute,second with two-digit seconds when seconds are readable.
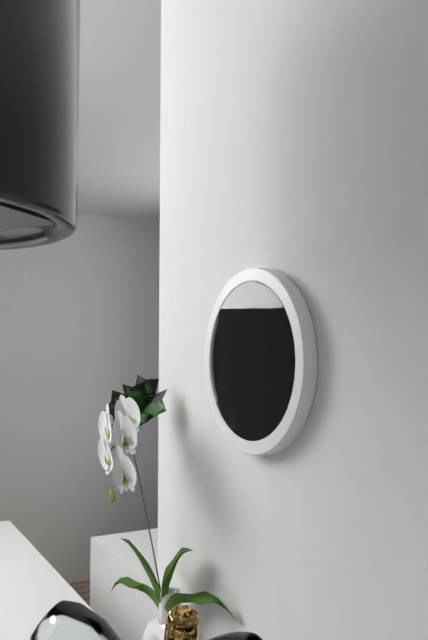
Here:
11,29
